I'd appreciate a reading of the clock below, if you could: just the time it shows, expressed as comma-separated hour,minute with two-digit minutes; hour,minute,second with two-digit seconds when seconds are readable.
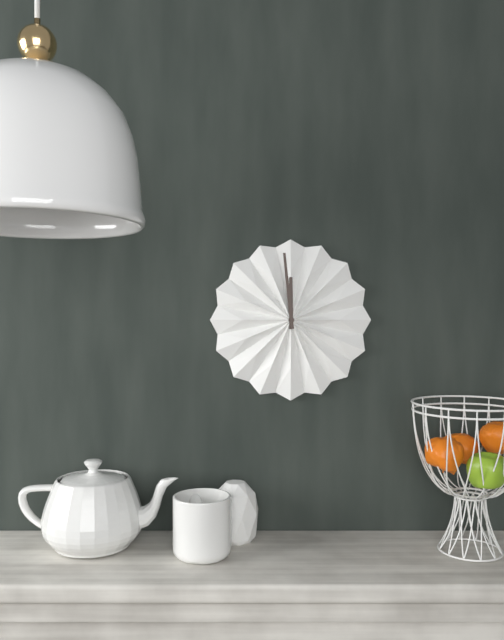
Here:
11,59
